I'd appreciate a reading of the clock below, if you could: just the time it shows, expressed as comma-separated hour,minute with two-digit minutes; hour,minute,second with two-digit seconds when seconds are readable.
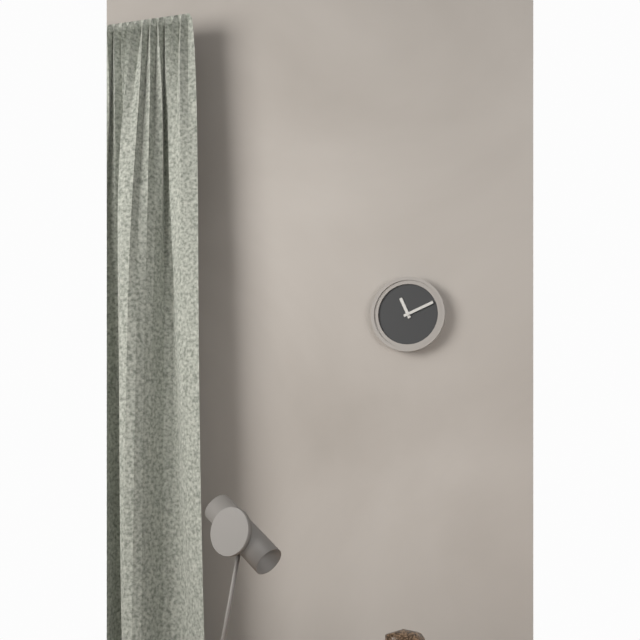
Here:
11,11
